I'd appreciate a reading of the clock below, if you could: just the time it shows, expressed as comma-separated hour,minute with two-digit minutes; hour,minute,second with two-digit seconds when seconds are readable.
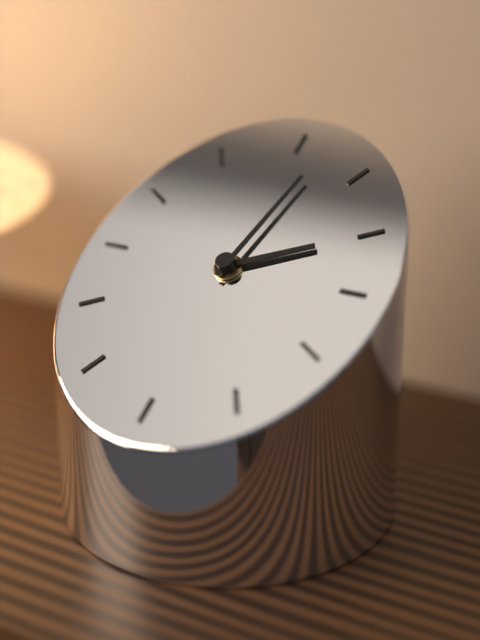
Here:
2,02
